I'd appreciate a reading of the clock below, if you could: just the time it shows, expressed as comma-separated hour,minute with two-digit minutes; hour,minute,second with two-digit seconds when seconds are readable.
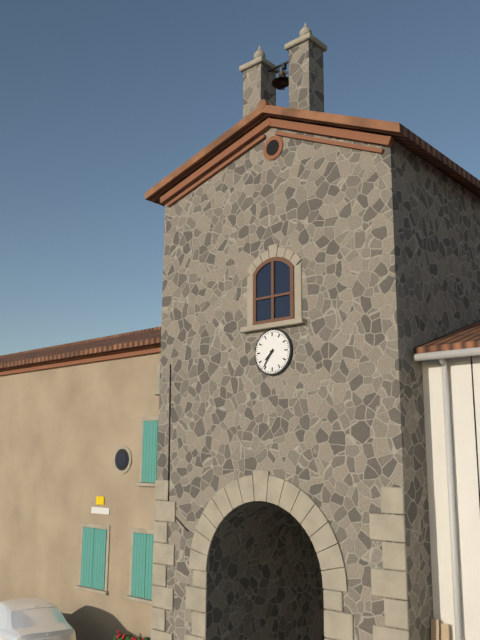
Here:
7,36
